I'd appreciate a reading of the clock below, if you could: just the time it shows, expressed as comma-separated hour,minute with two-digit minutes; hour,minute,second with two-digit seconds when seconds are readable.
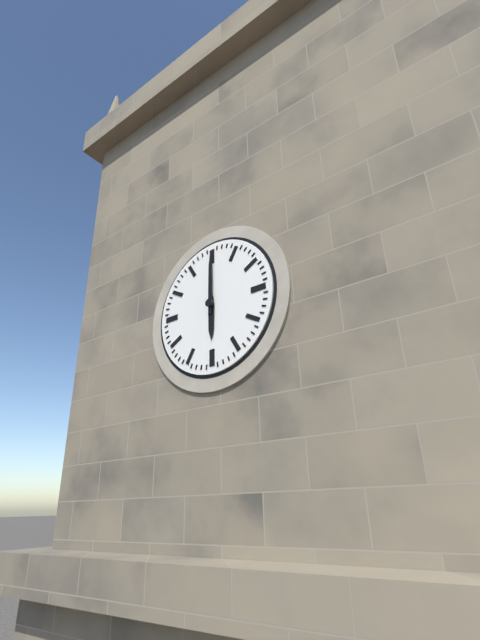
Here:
6,00
